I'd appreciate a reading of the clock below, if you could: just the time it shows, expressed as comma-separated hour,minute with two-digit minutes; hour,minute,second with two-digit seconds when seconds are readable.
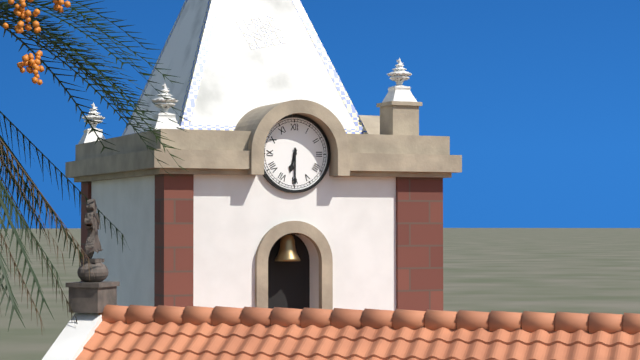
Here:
6,30
